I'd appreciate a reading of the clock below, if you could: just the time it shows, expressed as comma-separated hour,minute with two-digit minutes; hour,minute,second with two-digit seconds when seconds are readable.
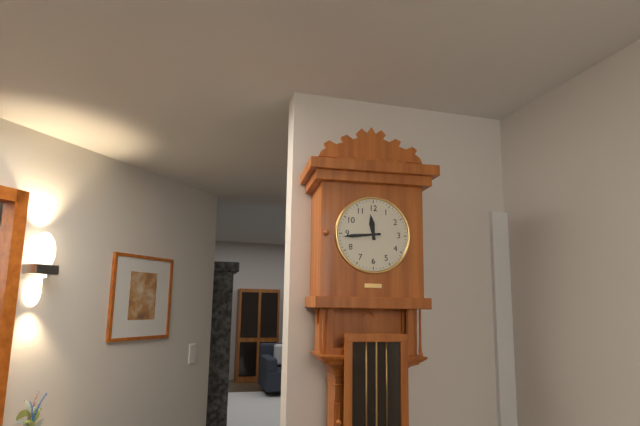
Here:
11,44
